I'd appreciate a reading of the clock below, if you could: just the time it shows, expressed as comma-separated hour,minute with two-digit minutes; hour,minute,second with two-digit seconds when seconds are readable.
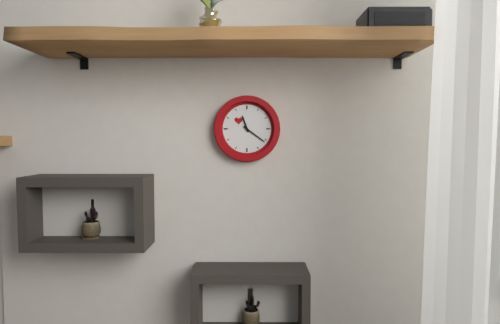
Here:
11,21
